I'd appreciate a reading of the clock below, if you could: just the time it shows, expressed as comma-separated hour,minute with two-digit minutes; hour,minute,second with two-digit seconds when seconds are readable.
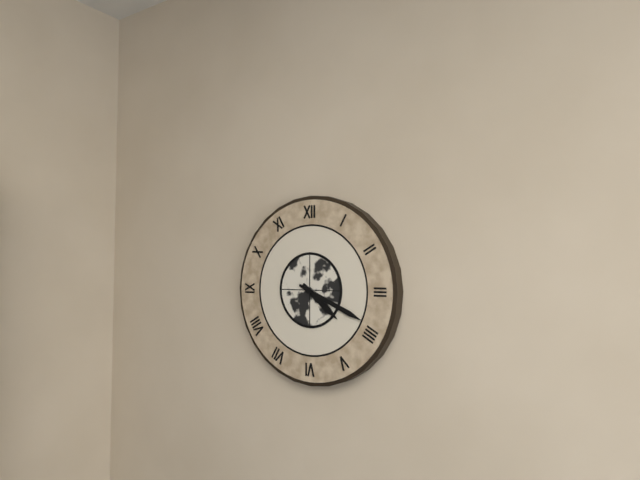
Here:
4,19
